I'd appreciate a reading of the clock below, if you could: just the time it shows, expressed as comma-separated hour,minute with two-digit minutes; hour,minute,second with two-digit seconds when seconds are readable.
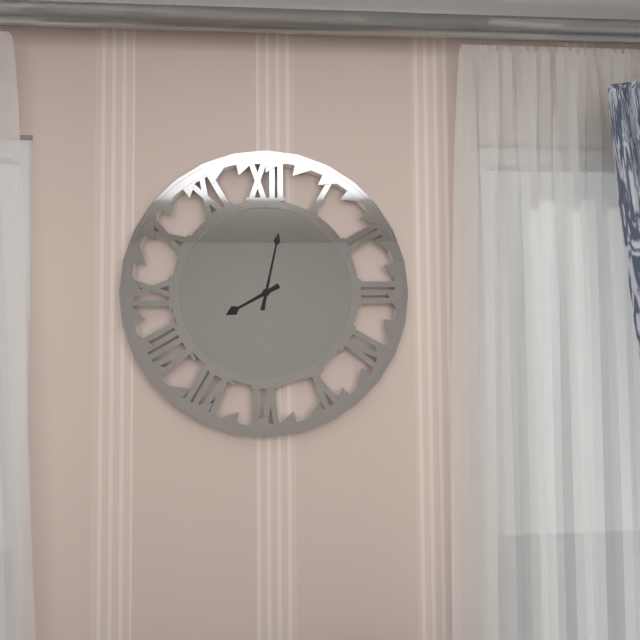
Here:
8,02
